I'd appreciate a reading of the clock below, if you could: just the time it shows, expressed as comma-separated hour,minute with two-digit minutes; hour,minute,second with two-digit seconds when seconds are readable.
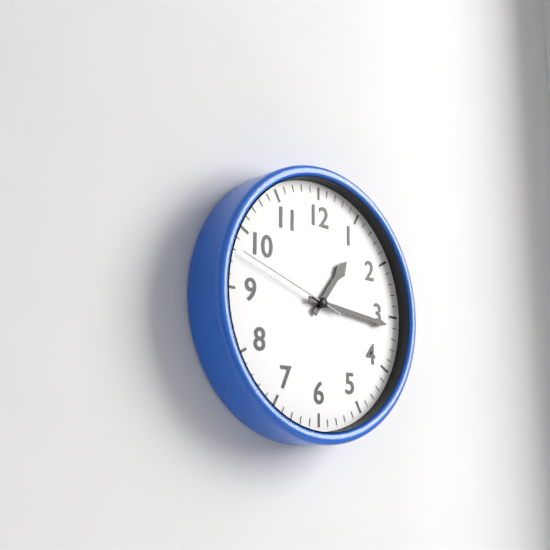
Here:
1,16,48
